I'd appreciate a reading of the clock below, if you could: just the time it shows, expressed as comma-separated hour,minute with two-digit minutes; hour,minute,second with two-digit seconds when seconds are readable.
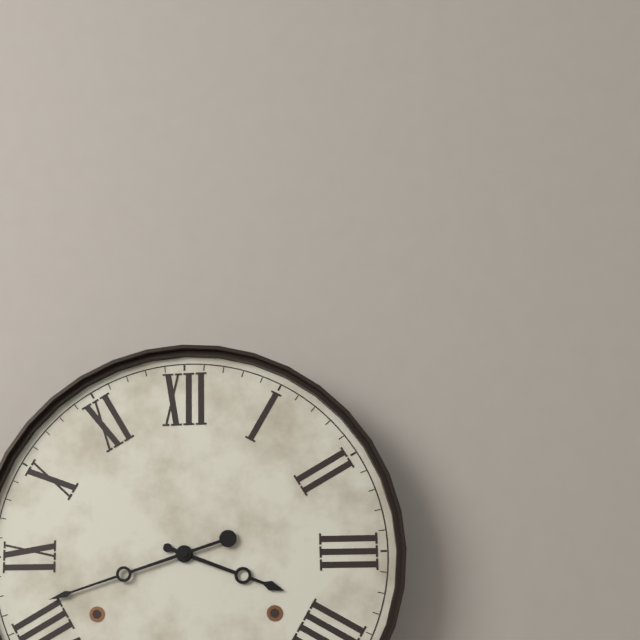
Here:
3,42
